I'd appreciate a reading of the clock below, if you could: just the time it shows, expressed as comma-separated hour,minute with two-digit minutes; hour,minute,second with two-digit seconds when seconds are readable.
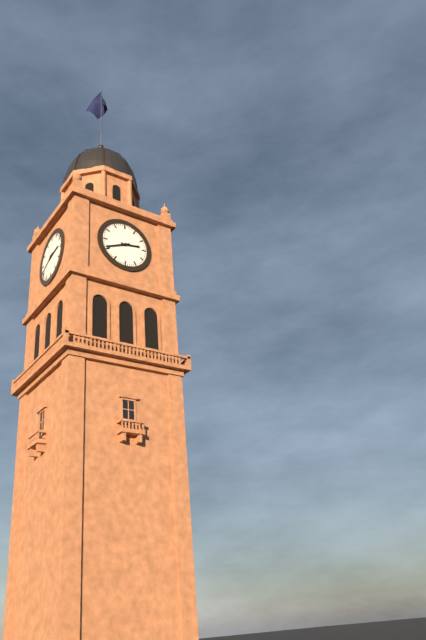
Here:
2,41
